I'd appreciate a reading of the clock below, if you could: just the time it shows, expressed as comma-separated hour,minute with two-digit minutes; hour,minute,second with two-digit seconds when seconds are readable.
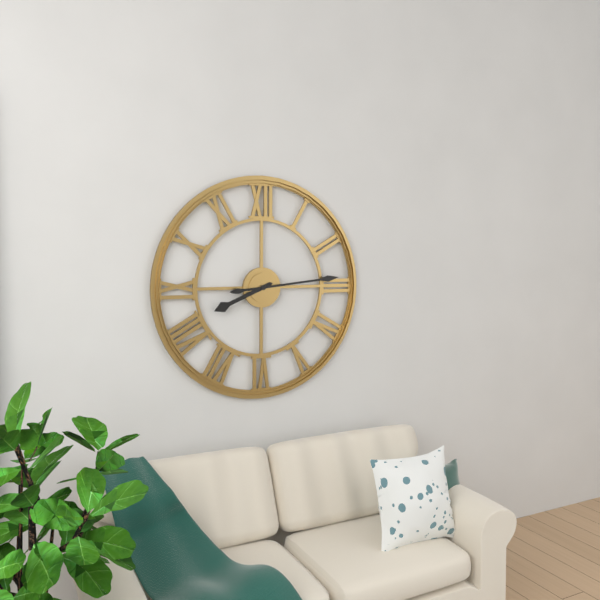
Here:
8,14
